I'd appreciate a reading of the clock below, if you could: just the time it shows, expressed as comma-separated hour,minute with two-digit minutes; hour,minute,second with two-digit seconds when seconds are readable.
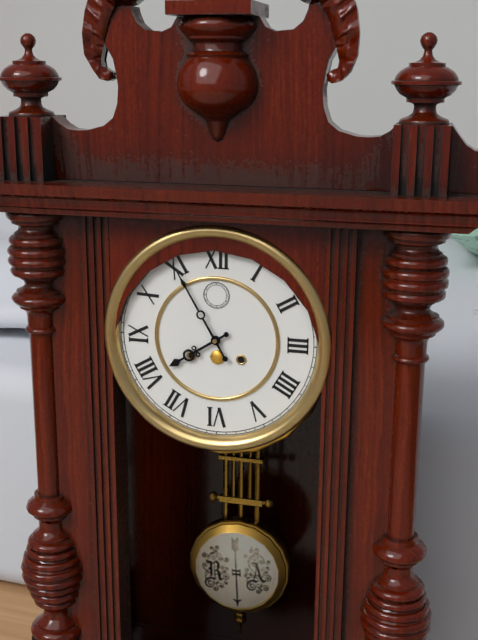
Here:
7,55
